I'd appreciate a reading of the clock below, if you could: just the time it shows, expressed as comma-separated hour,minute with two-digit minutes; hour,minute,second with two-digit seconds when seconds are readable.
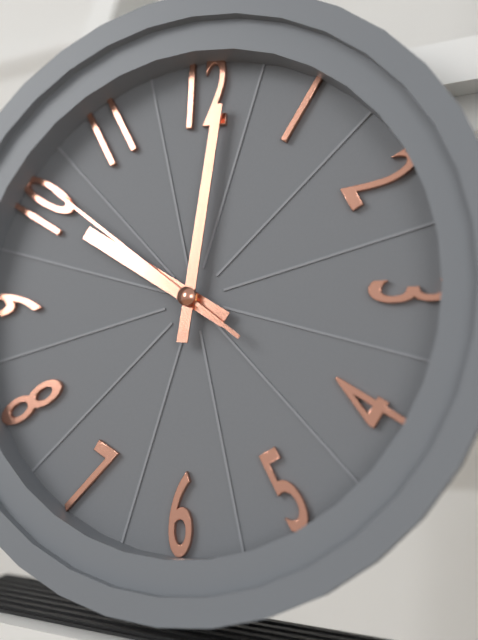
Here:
10,01,51
